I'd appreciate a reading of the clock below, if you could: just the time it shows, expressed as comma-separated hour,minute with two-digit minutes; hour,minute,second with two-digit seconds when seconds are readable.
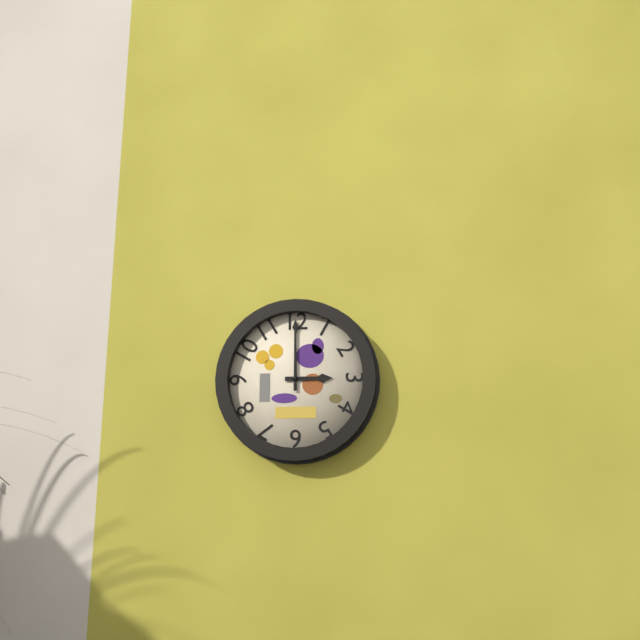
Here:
3,00
